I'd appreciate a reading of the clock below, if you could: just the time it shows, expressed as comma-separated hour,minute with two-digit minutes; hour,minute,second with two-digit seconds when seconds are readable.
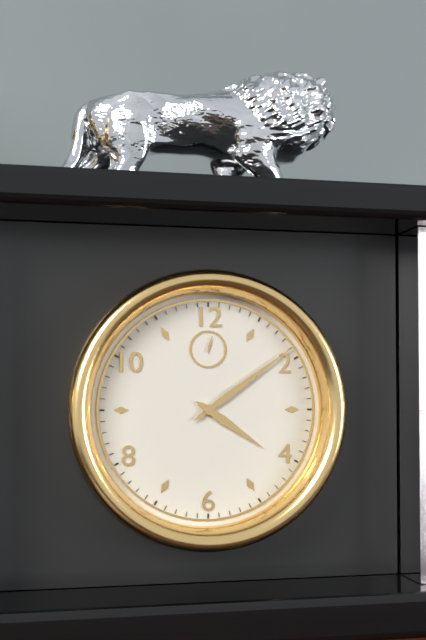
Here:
4,09
